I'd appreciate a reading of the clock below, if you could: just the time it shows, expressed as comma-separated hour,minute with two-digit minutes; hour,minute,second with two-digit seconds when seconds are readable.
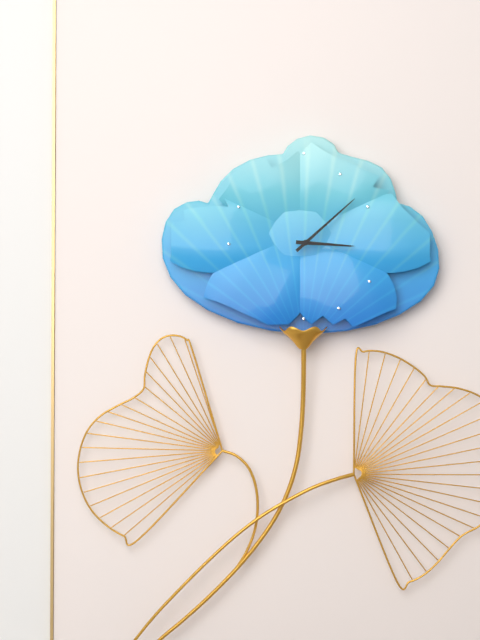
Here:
3,08
